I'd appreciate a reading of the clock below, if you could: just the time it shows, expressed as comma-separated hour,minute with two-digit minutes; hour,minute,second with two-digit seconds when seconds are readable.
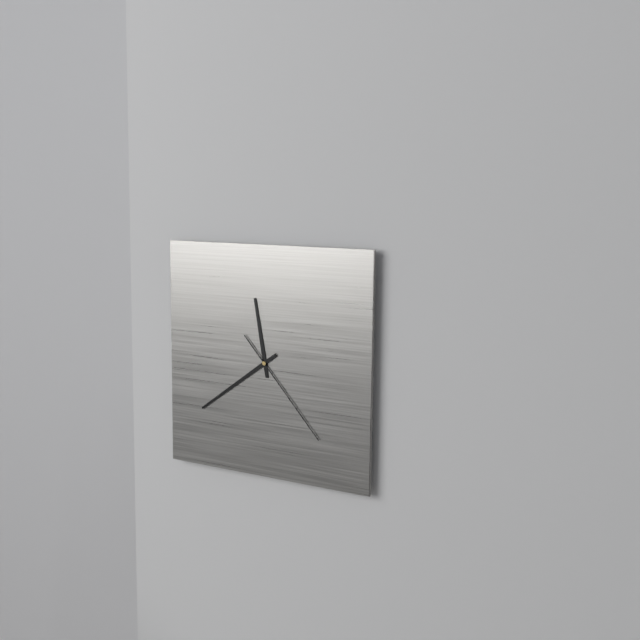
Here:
11,39,23
